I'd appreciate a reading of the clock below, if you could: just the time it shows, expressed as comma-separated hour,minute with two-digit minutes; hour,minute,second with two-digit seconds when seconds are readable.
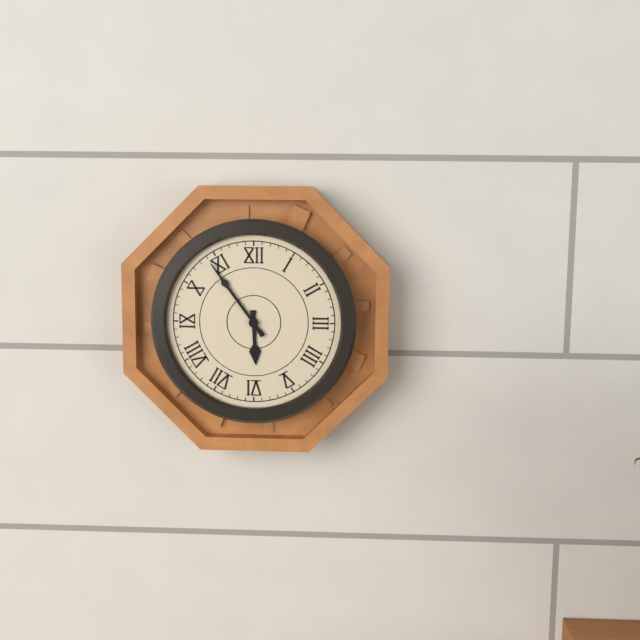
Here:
5,54
